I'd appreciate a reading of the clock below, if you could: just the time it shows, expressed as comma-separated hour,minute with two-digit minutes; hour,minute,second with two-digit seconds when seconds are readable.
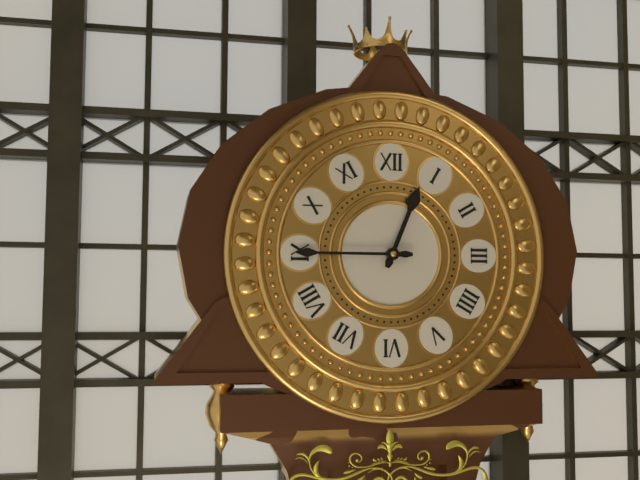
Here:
12,45
